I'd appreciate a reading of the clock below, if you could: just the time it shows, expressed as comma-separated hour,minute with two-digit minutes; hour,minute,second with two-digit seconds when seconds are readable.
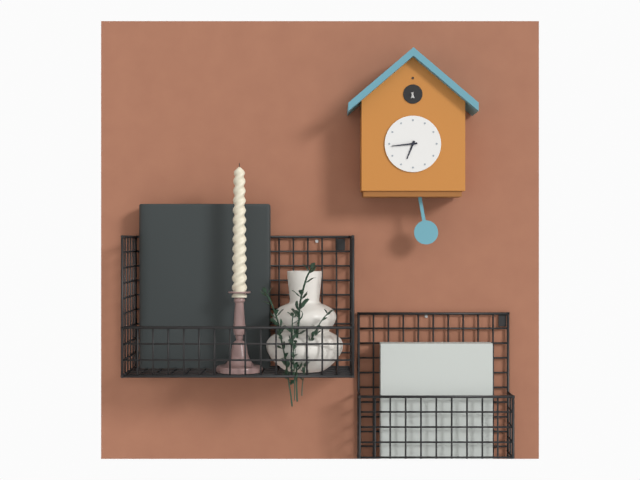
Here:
6,44
